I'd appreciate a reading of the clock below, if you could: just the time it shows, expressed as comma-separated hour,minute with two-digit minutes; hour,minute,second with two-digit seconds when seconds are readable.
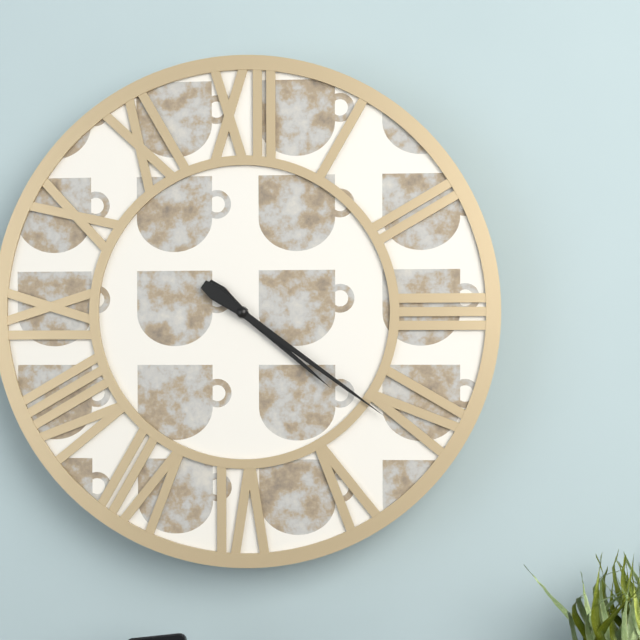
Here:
4,21
